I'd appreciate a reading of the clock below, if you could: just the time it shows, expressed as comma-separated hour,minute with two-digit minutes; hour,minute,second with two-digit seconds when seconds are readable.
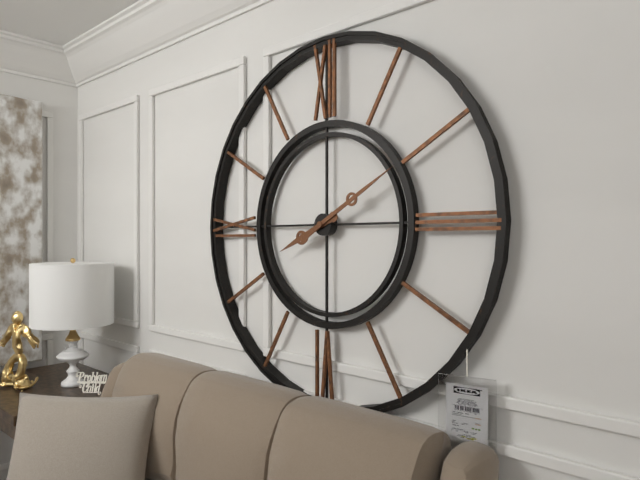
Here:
8,10
